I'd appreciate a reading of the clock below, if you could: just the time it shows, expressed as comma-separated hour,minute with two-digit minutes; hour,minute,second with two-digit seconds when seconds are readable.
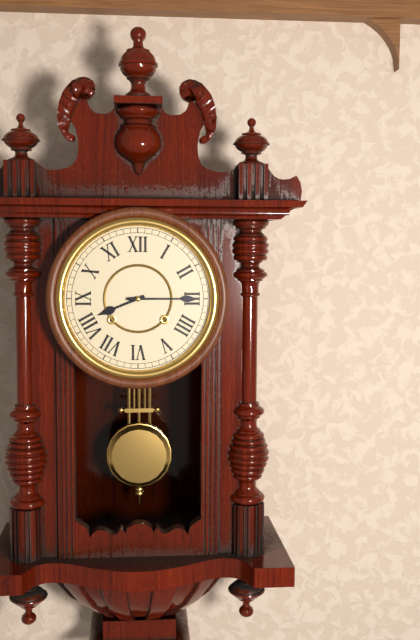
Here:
8,15
